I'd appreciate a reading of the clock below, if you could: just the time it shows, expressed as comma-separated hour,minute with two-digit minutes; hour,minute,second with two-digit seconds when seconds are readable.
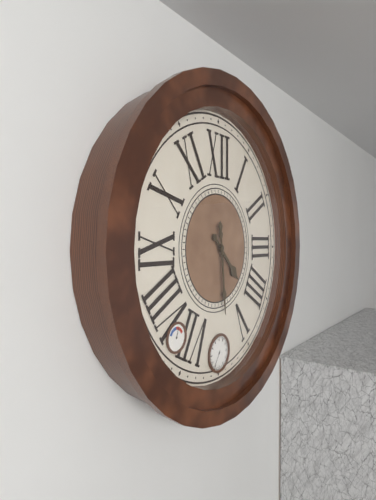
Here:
4,29
